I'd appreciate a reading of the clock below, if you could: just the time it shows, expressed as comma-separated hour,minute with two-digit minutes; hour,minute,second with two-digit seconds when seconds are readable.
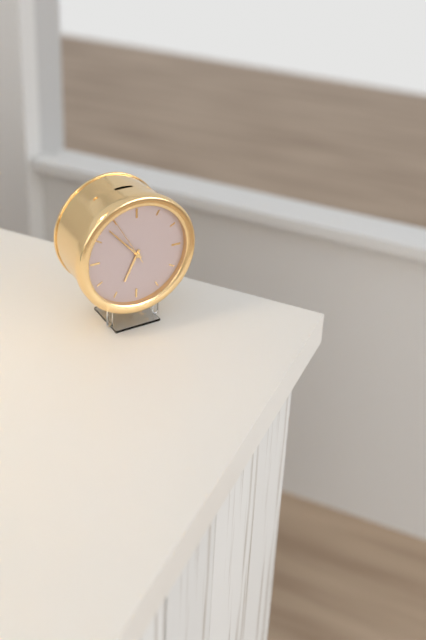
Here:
6,53
